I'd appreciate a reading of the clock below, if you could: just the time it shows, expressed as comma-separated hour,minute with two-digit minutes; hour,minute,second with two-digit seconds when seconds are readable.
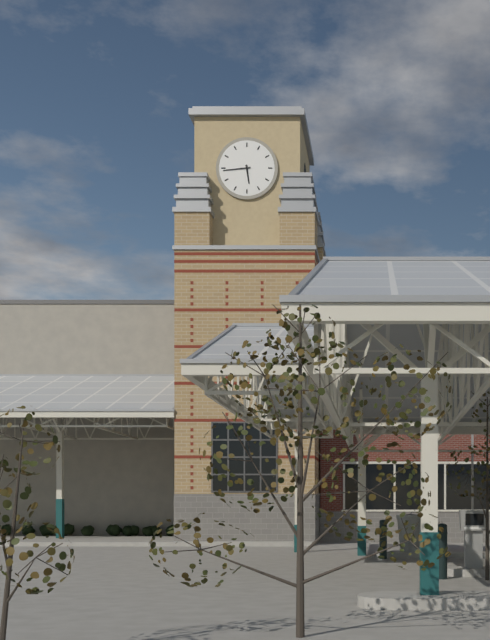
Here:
5,44
